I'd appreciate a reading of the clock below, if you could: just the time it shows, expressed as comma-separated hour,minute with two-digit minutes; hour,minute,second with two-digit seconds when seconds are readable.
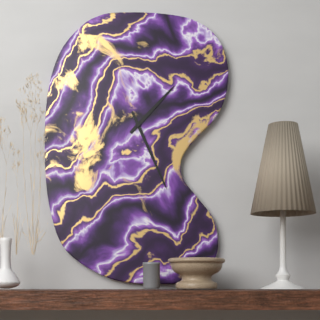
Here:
1,26
